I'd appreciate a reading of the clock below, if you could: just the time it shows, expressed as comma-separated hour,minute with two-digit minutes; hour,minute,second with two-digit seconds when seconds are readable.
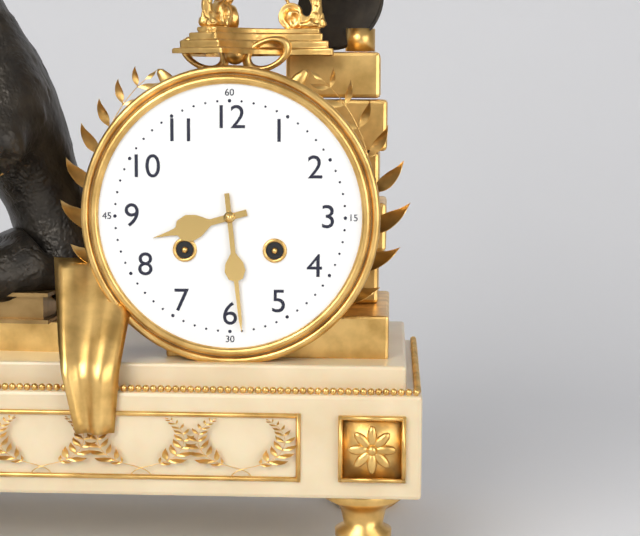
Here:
8,29
